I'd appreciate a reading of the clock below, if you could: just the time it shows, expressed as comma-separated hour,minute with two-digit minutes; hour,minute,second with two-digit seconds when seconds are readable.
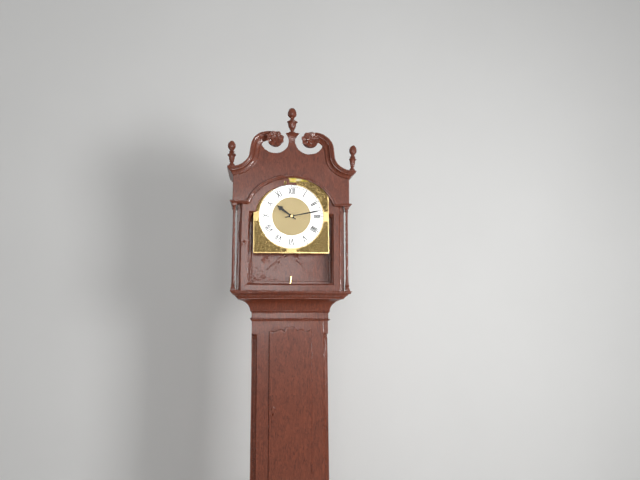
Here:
10,13
